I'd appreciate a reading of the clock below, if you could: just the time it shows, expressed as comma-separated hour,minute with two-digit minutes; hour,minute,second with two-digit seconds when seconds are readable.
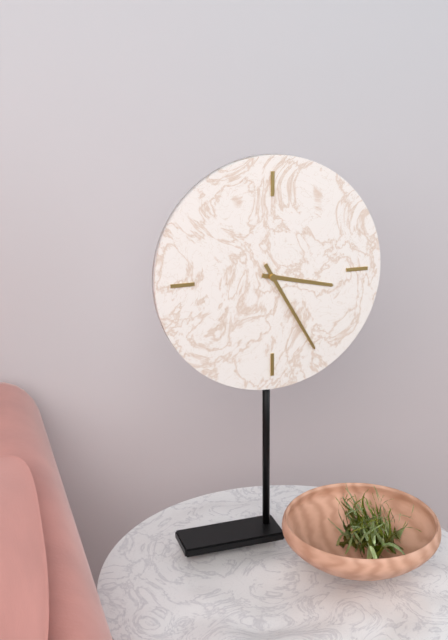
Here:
3,25
